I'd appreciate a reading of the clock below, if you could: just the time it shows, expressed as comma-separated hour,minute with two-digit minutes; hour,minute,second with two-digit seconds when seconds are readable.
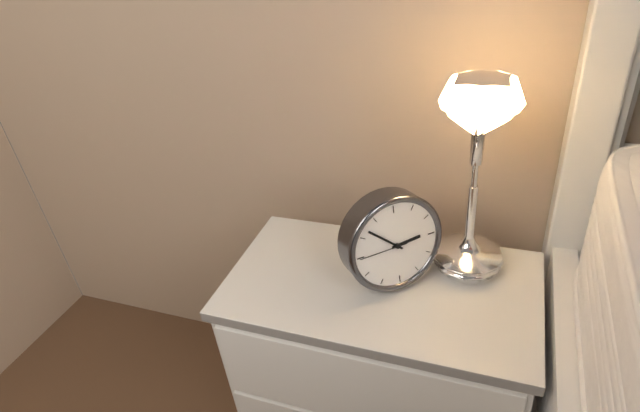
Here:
2,52
